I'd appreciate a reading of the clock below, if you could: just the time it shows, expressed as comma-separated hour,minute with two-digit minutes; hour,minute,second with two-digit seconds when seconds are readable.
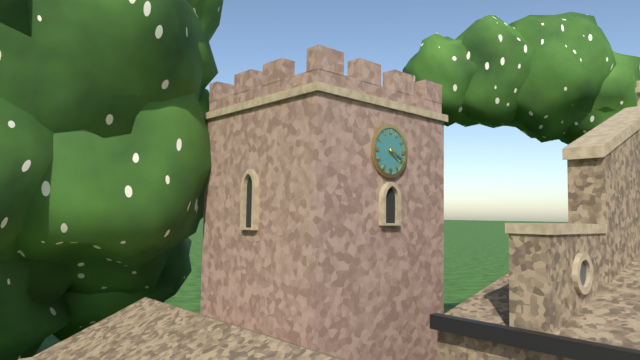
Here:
4,18
